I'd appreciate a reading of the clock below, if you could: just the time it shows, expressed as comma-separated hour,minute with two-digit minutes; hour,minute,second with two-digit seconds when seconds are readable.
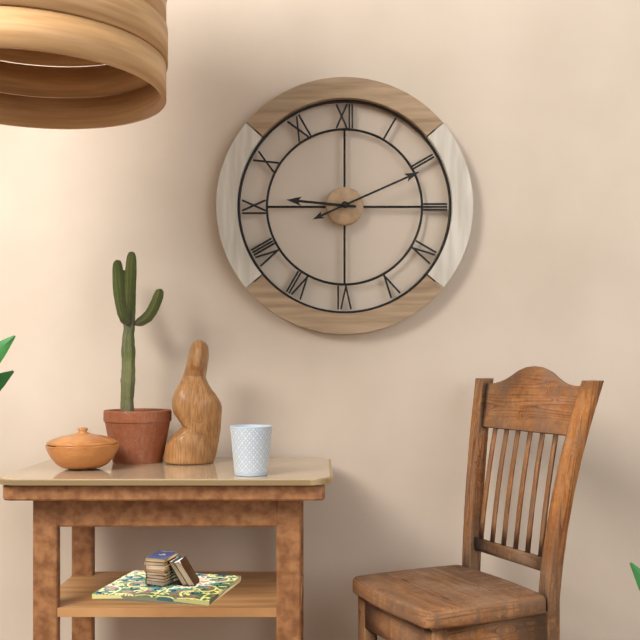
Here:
9,11
